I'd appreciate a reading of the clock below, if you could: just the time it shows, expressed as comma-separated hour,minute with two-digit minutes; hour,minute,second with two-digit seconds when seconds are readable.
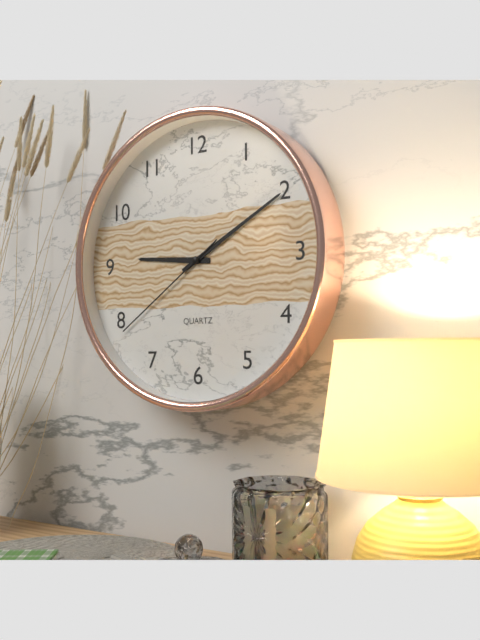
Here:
9,10,39
